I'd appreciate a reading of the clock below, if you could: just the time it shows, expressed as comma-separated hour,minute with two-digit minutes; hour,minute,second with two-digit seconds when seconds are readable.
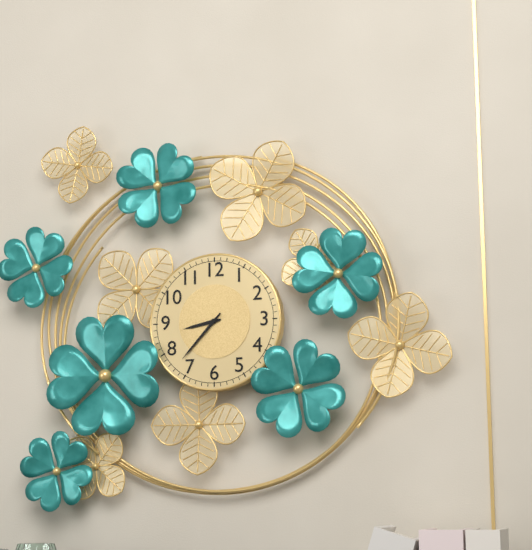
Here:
8,37
